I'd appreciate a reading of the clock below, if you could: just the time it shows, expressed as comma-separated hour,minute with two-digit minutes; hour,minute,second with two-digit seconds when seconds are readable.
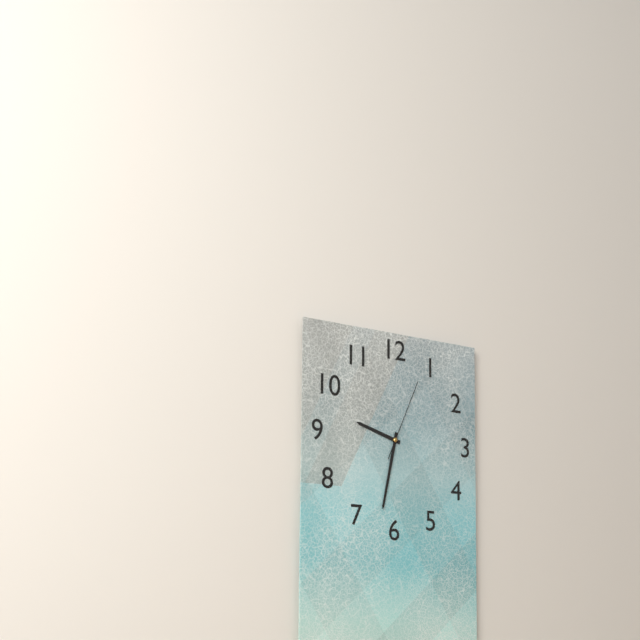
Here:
9,32,04
